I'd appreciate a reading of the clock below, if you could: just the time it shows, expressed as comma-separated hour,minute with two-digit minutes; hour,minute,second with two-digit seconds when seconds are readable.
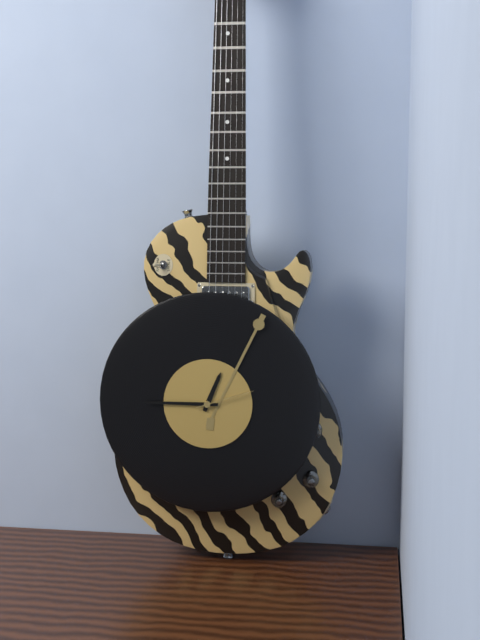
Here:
12,45,12
